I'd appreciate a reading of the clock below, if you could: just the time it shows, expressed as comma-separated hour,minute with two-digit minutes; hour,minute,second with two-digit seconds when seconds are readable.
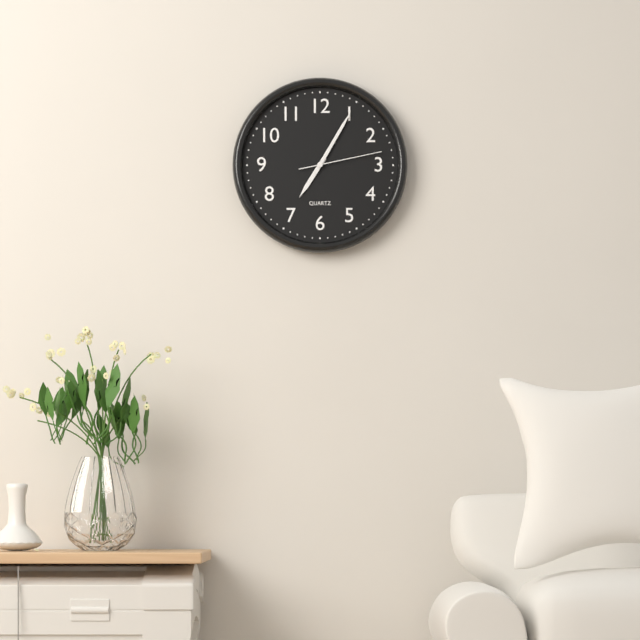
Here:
7,05,13
